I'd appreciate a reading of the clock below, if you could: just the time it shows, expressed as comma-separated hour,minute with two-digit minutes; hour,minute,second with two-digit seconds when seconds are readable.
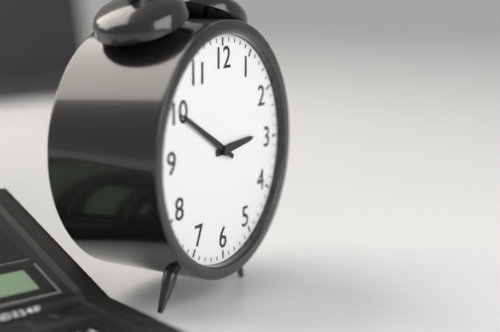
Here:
2,50
